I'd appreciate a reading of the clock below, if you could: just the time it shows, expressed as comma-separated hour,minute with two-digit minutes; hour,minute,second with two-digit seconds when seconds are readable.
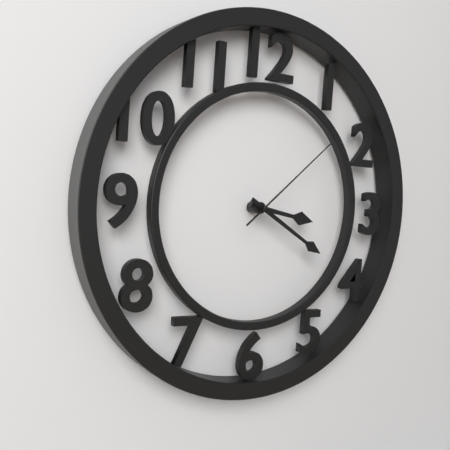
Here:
3,20,08
